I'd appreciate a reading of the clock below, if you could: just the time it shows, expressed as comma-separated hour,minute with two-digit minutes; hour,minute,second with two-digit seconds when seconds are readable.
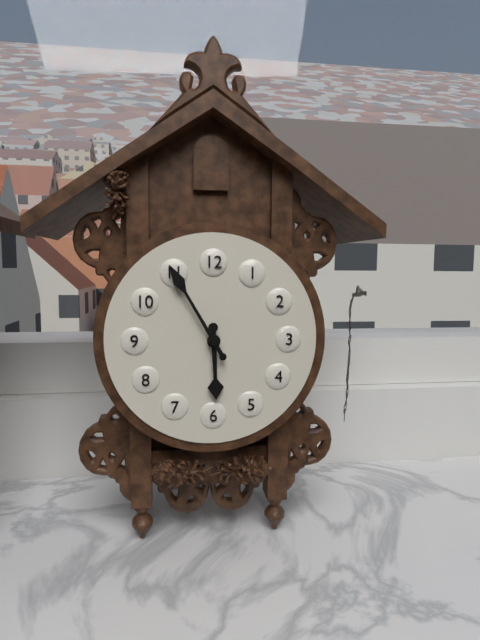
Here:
5,55
